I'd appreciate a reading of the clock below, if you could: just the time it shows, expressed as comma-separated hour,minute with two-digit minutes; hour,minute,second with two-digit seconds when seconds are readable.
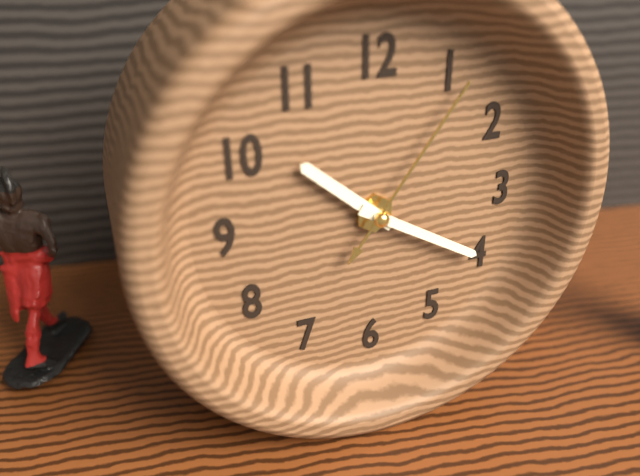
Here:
10,20,06
